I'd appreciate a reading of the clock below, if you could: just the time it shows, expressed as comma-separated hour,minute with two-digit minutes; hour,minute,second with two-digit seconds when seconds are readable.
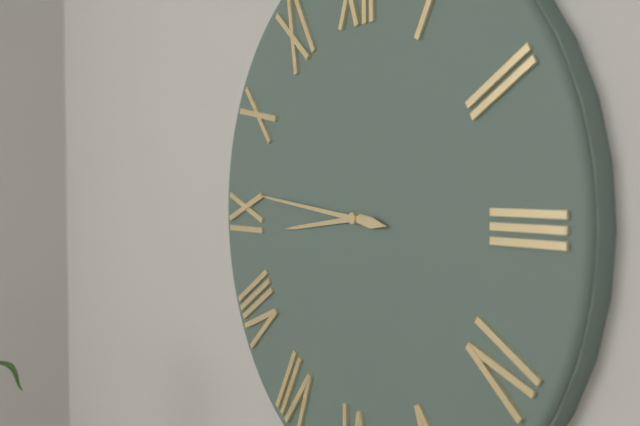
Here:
8,46
